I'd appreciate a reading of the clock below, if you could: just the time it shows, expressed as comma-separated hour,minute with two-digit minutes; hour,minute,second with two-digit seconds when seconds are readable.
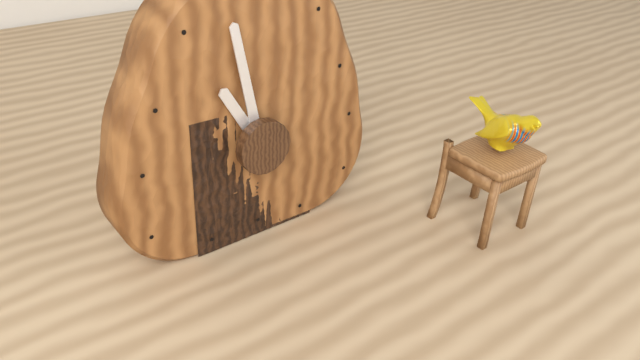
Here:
10,58
